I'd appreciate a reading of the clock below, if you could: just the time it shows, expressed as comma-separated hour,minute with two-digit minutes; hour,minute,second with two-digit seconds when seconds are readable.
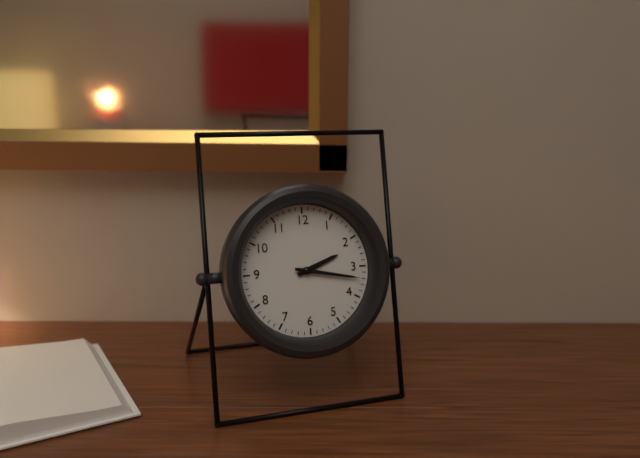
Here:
2,17
